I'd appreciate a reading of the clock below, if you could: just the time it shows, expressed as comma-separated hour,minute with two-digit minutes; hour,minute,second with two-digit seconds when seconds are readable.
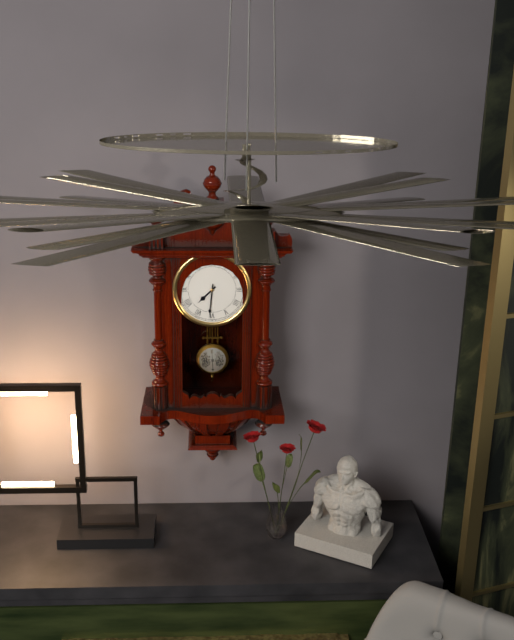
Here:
7,31
